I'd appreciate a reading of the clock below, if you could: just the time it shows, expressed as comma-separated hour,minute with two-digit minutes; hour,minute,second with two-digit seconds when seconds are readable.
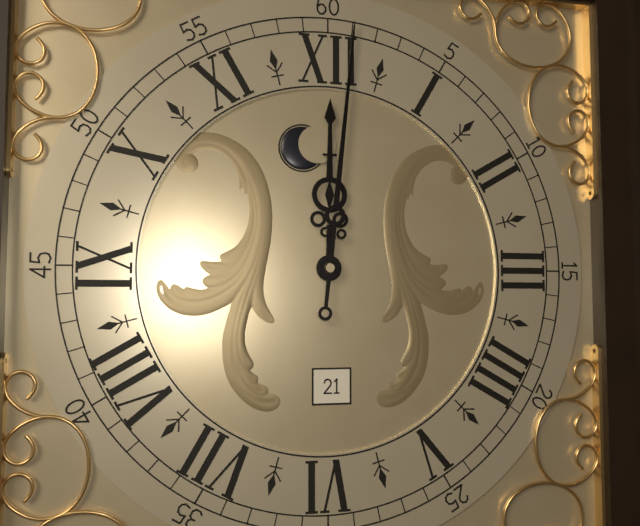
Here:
12,01
